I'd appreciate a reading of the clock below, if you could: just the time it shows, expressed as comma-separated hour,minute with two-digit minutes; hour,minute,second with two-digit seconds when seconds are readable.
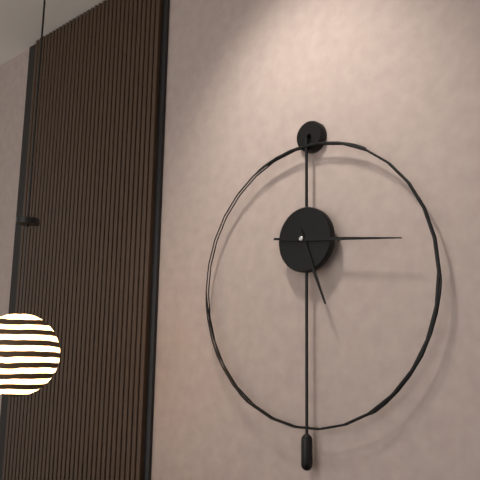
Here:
5,16
